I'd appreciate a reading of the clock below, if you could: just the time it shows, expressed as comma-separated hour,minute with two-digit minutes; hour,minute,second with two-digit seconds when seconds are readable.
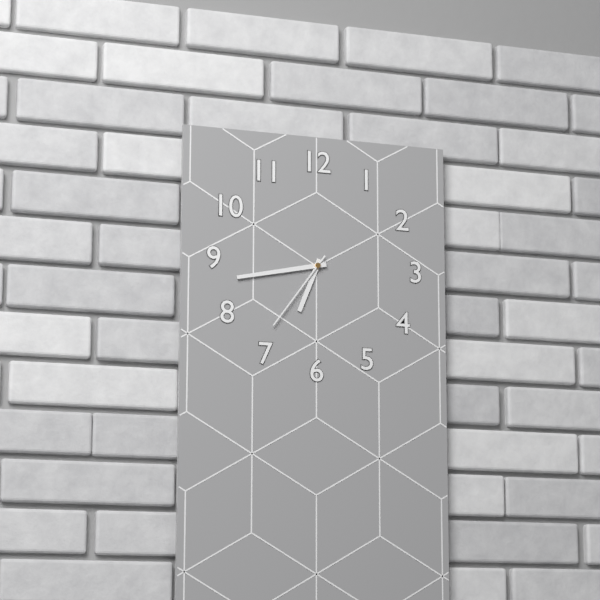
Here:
6,43,36
